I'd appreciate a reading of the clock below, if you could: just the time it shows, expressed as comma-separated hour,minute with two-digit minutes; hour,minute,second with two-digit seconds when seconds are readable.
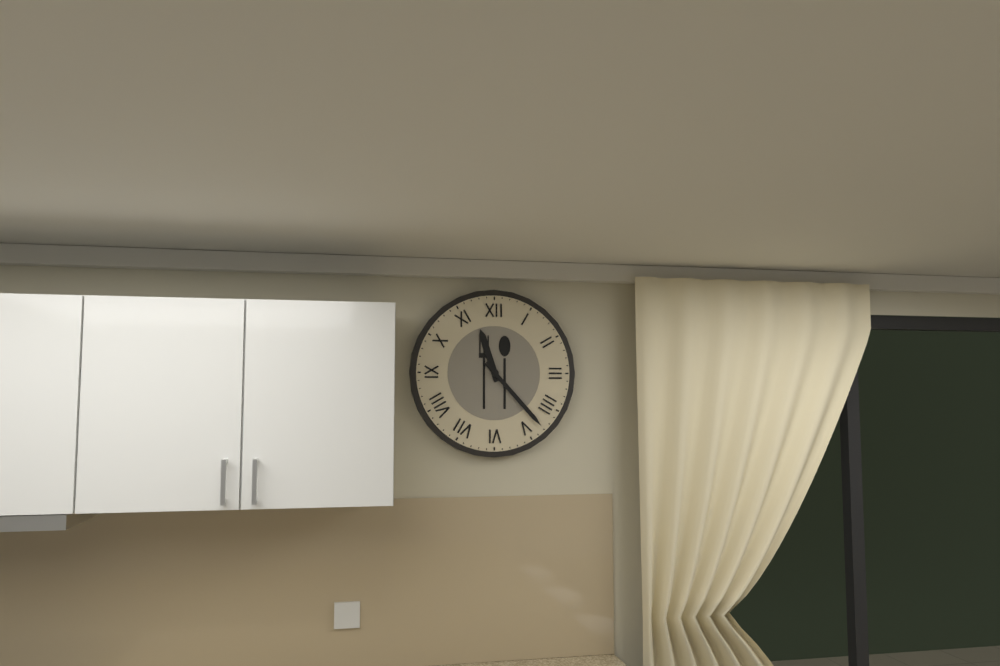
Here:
11,23
